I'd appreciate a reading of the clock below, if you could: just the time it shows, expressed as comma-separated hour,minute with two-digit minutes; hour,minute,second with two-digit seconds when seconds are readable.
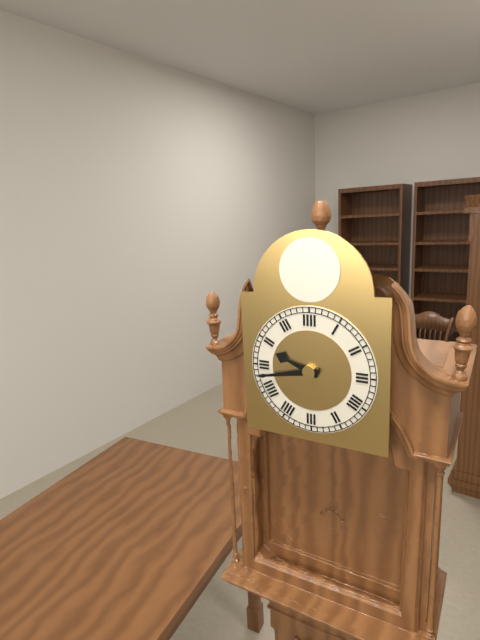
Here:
9,43
